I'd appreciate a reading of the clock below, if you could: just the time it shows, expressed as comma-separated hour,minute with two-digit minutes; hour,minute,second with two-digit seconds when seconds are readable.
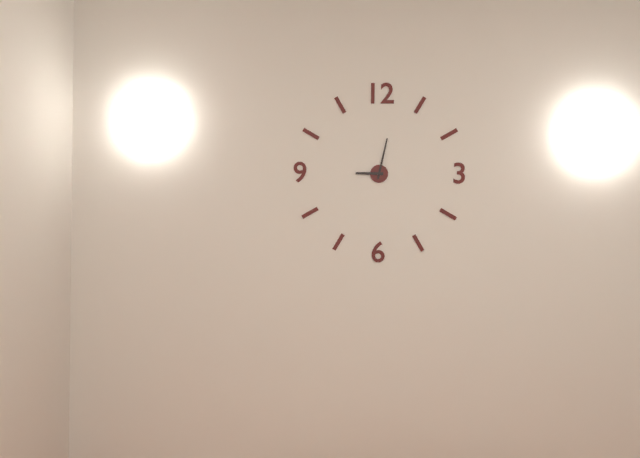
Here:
9,02
